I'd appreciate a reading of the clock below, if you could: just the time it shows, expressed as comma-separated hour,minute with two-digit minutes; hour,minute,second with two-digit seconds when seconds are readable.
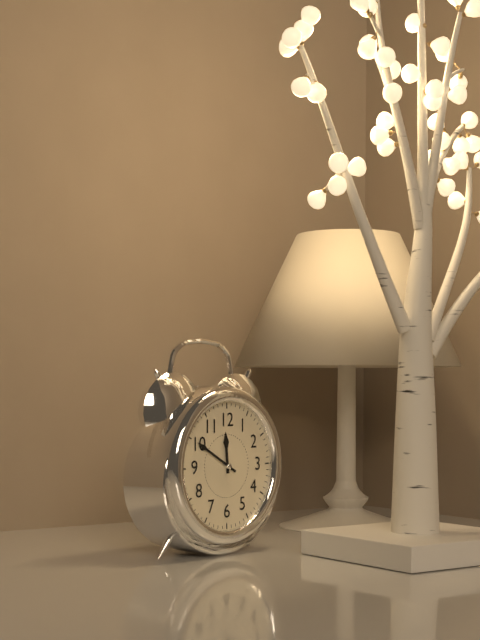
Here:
11,50
